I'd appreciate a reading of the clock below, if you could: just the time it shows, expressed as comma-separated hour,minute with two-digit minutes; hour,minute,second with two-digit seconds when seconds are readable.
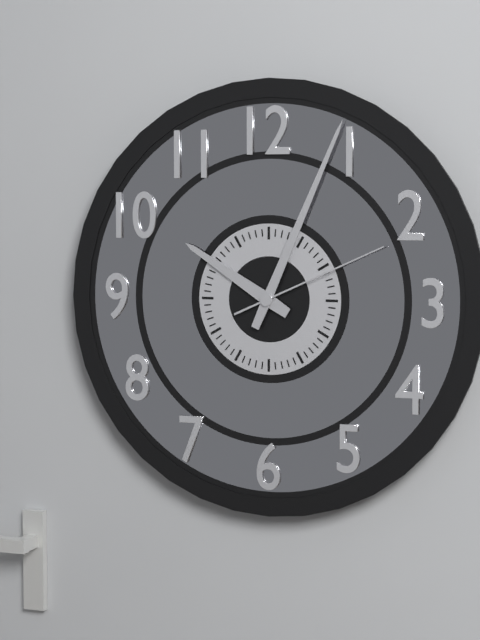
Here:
10,04,11
